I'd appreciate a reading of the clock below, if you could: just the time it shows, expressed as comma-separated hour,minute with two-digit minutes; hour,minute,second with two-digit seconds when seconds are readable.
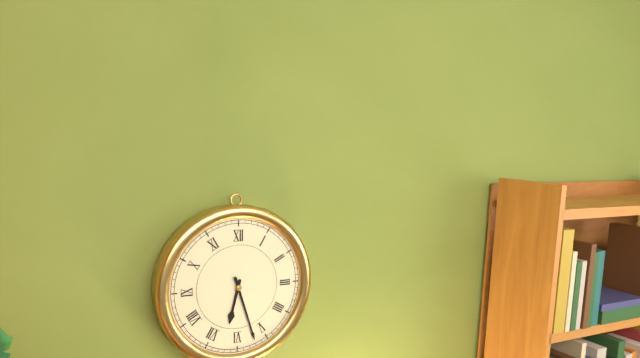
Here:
6,27
